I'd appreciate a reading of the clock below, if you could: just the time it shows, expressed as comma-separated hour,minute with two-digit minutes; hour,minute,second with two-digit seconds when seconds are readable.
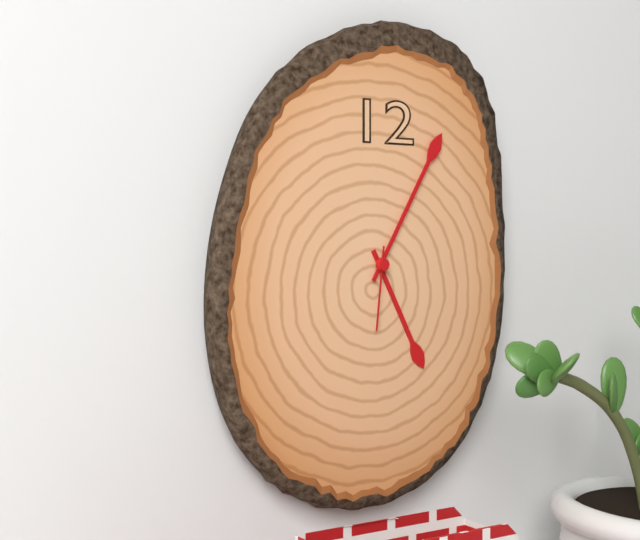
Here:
5,05,31
